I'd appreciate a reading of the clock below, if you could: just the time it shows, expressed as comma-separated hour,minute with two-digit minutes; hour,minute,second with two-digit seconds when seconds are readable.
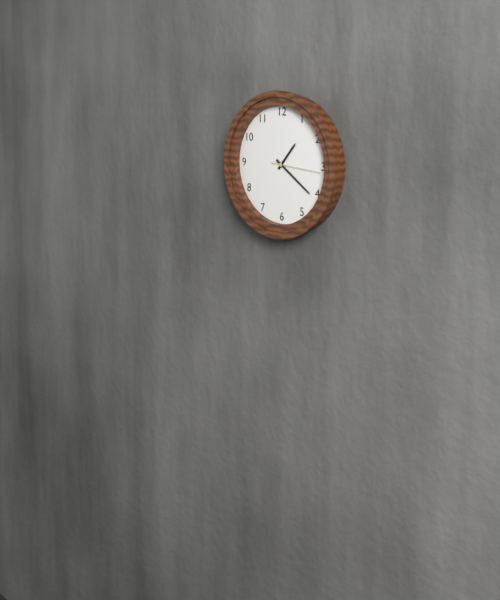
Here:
1,21,16
